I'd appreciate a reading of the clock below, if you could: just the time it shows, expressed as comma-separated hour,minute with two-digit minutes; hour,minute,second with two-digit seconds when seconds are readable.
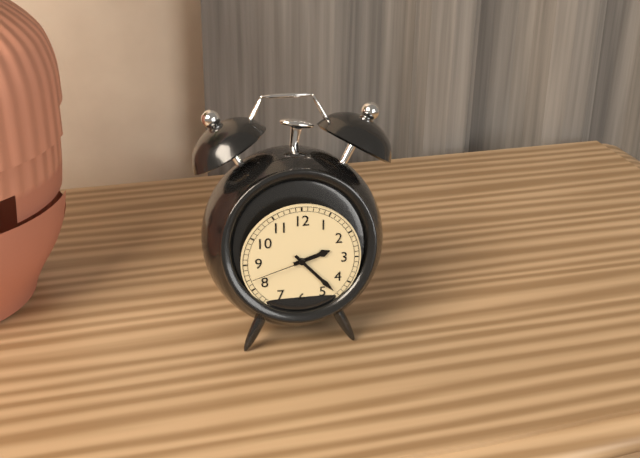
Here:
2,23,42
